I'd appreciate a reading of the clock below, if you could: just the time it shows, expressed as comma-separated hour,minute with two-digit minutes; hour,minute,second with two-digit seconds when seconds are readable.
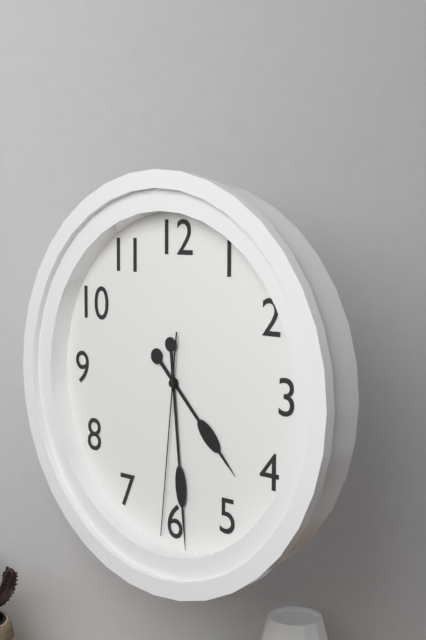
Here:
4,29,31
